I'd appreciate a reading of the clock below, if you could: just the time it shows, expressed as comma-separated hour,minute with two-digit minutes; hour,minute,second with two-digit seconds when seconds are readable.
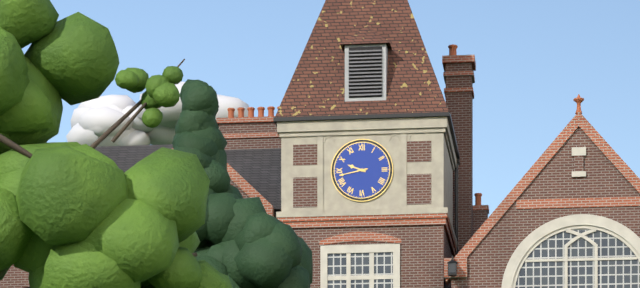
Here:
9,43
